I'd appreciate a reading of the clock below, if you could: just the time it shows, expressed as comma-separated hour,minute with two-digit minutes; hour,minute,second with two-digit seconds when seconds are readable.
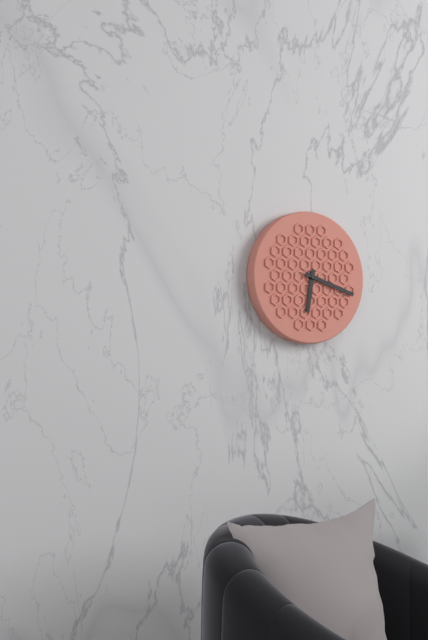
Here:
6,18
